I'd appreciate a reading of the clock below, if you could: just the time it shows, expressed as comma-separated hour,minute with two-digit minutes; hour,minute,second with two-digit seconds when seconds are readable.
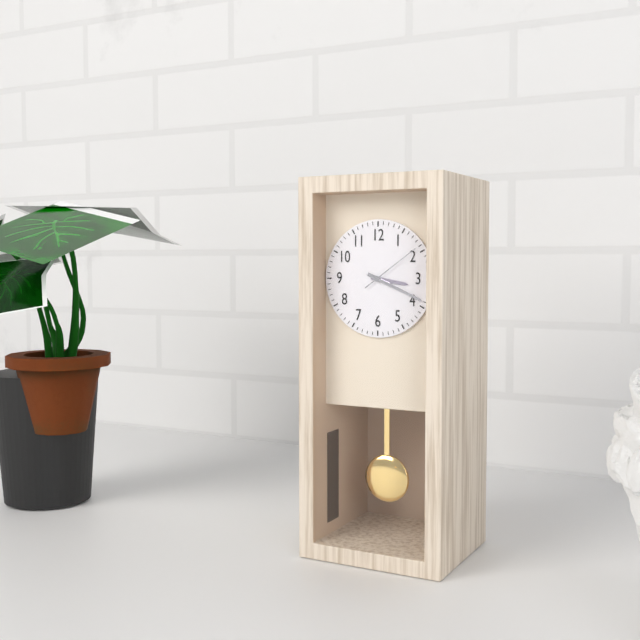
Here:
3,19,09
